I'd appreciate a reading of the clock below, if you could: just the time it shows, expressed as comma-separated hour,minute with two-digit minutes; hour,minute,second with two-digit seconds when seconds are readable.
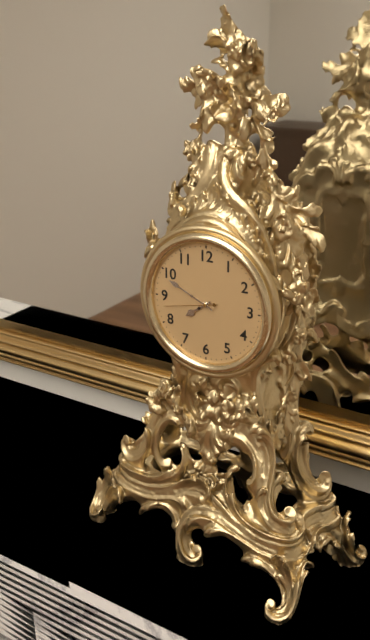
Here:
7,49,43
